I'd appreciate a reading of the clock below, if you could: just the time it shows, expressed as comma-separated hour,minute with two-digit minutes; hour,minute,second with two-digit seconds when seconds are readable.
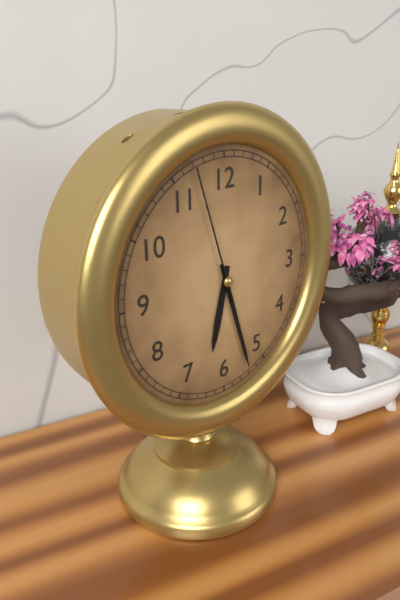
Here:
6,27,57
